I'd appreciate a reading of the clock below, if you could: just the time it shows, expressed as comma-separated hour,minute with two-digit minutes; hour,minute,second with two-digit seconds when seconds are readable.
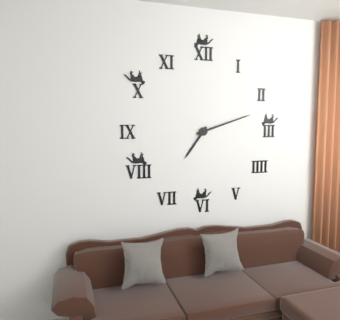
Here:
7,12
